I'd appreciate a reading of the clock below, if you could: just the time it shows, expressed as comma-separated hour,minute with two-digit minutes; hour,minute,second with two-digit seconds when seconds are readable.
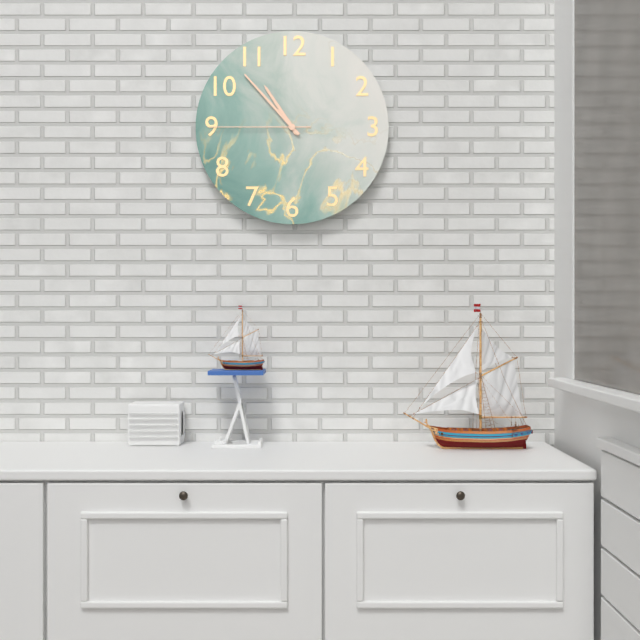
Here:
10,53,45
